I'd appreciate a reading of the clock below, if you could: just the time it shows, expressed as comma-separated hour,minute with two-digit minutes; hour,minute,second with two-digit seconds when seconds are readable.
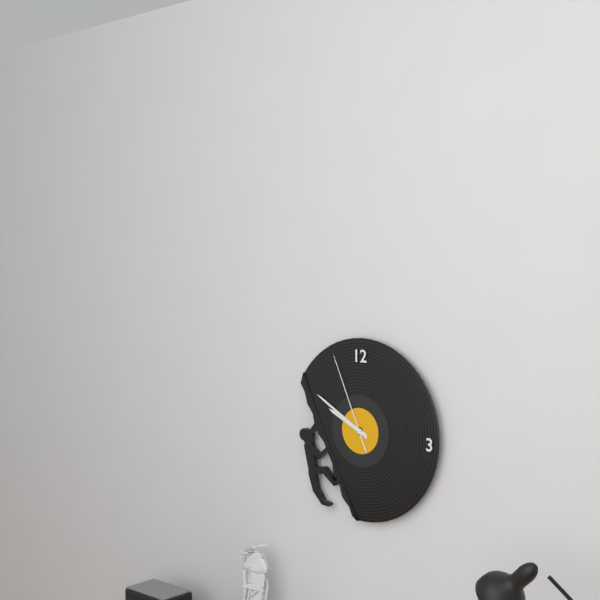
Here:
9,50,56
